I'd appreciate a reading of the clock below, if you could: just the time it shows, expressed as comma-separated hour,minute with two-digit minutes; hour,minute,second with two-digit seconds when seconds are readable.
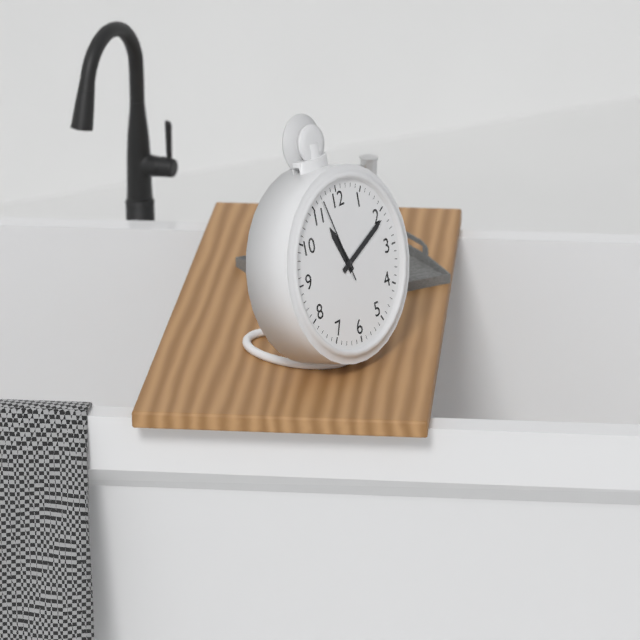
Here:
11,11,57
